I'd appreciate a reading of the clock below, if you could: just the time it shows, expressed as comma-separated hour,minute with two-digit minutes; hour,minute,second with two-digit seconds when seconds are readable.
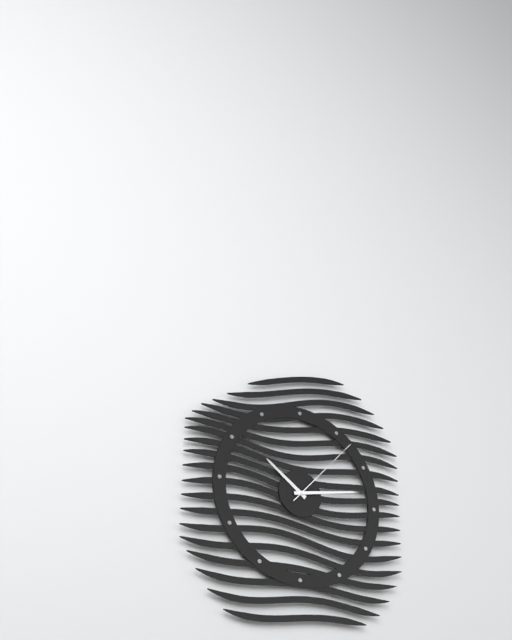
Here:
10,13,07
